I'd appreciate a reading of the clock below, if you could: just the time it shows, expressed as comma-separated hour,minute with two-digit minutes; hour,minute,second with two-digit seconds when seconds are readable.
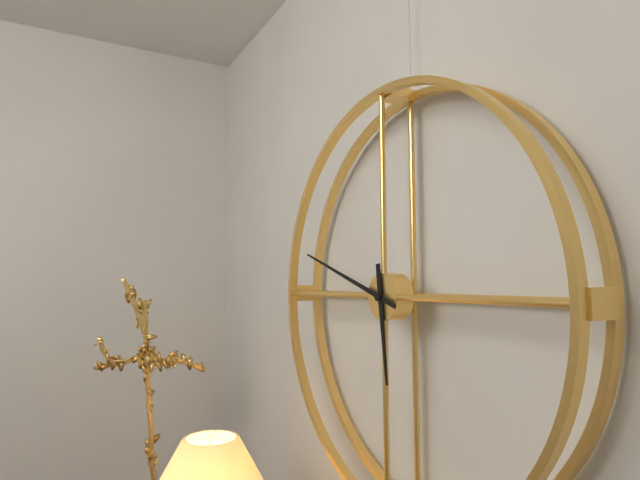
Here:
5,48
